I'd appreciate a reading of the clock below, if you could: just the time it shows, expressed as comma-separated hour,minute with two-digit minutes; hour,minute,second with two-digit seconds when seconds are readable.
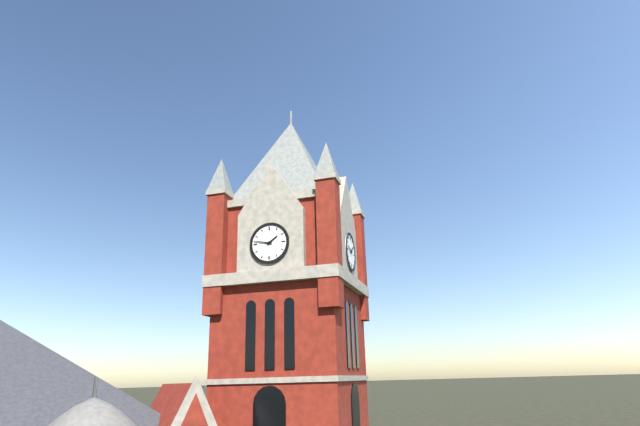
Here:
1,47
